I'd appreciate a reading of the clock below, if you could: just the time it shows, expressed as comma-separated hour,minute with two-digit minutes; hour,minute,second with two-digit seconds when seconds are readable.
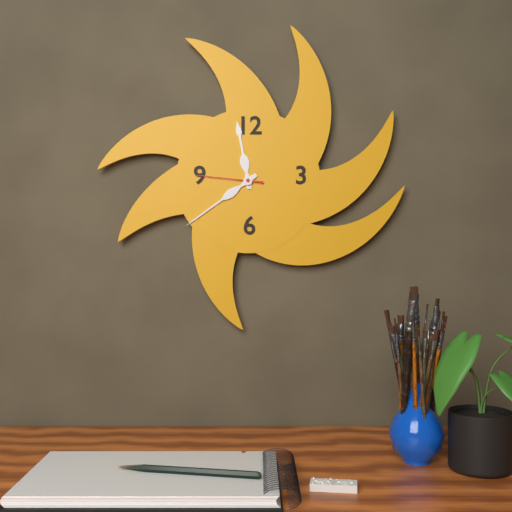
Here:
11,39,46
